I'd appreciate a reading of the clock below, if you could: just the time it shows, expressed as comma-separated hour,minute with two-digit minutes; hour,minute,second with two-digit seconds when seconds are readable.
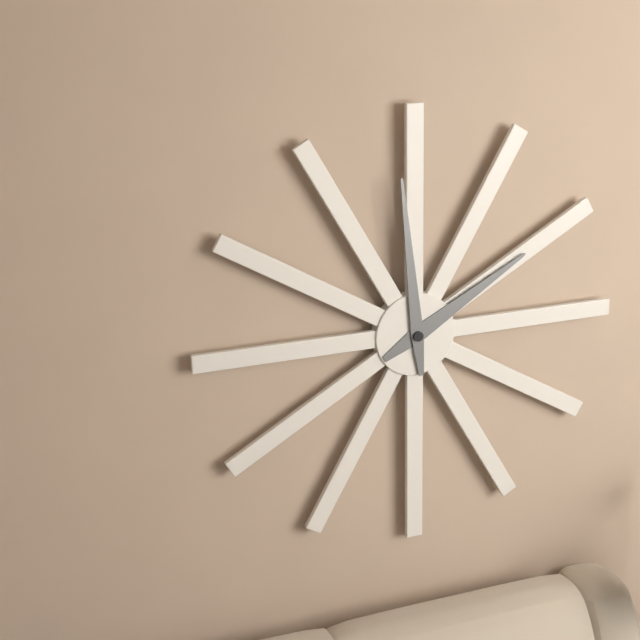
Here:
1,59
